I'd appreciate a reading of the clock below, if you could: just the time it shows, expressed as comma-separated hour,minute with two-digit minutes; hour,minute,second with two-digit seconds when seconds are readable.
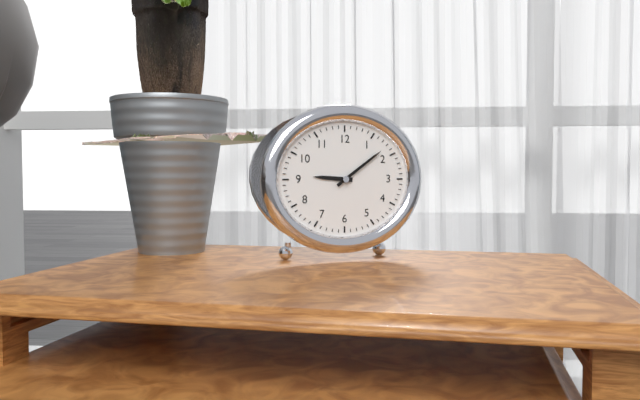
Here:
9,09
